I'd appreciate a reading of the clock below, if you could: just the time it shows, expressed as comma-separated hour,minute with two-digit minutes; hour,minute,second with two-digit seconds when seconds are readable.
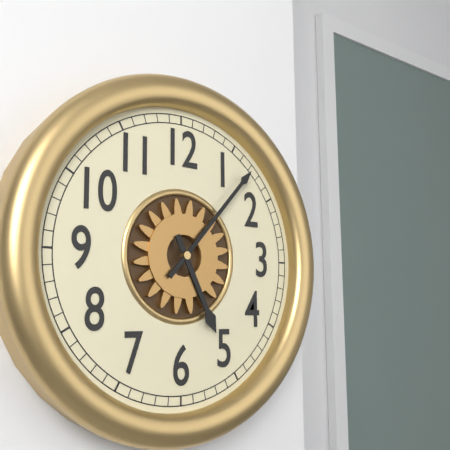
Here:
5,07
